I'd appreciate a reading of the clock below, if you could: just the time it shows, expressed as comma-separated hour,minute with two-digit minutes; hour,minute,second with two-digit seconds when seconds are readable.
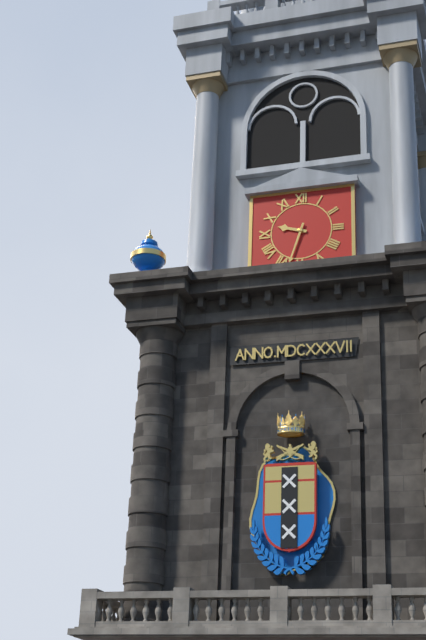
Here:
9,33
